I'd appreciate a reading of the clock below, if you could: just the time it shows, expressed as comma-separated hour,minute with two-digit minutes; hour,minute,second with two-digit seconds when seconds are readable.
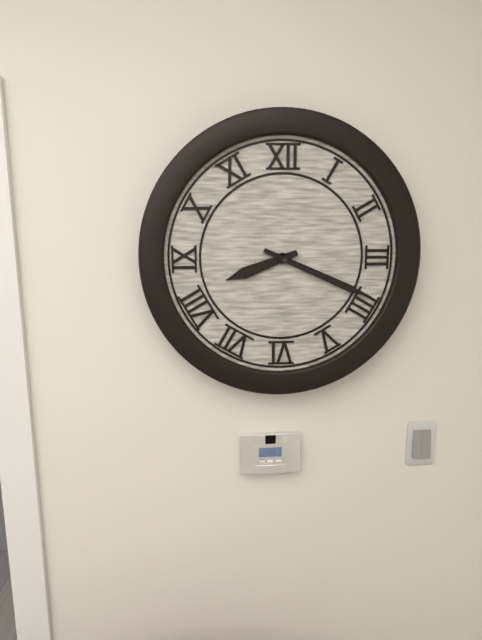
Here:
8,19
